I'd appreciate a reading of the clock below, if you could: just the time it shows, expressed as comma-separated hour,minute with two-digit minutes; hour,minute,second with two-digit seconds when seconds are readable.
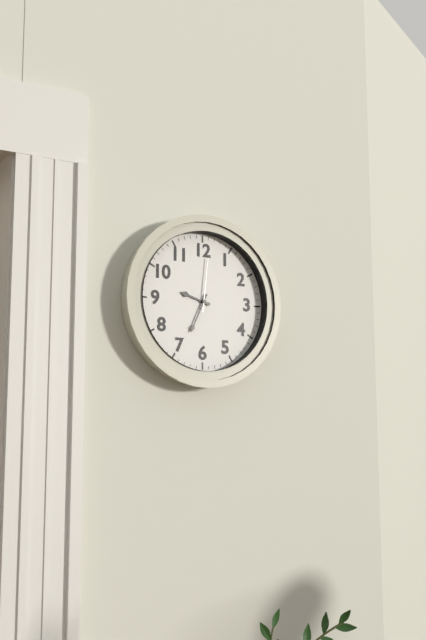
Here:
9,34,01
